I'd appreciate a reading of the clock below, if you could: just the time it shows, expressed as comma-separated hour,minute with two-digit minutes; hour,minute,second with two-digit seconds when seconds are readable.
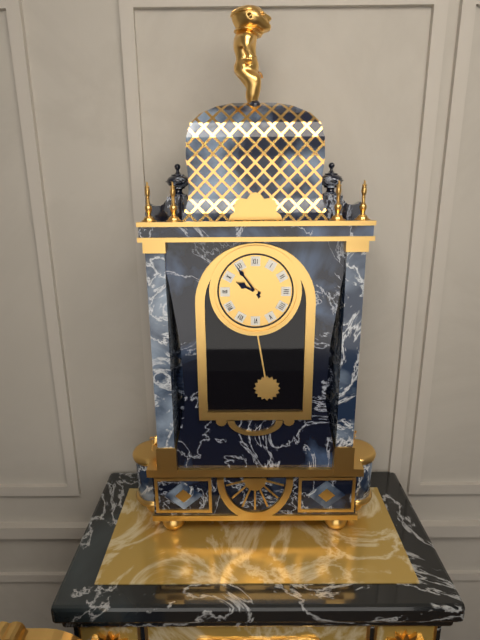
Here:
9,54
